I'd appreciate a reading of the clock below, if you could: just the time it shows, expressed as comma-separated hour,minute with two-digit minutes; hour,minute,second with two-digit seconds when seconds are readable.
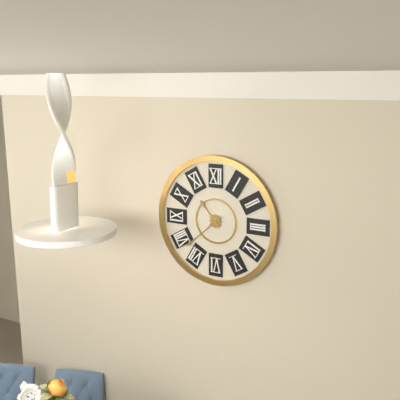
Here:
10,38
